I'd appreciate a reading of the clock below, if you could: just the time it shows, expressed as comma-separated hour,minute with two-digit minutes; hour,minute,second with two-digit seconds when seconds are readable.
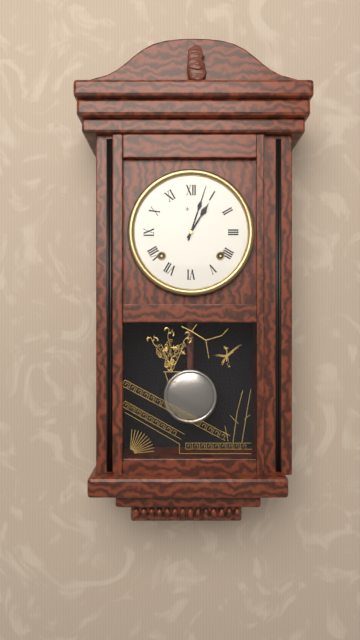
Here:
1,03
